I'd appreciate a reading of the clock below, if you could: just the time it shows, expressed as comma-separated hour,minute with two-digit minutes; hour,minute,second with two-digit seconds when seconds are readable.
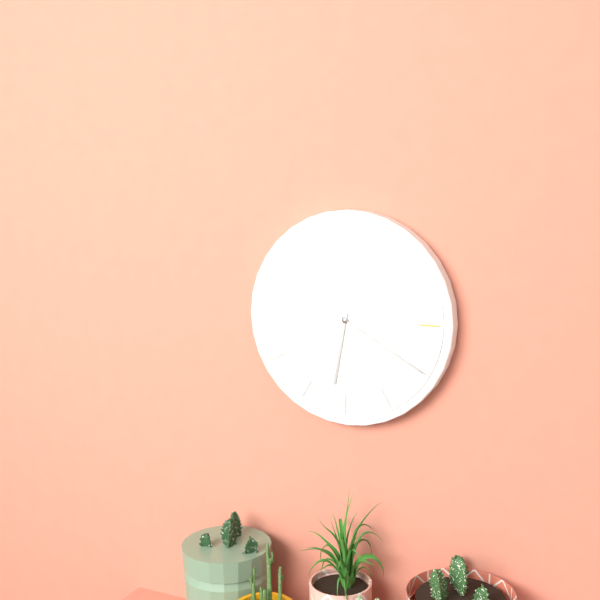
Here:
6,20
